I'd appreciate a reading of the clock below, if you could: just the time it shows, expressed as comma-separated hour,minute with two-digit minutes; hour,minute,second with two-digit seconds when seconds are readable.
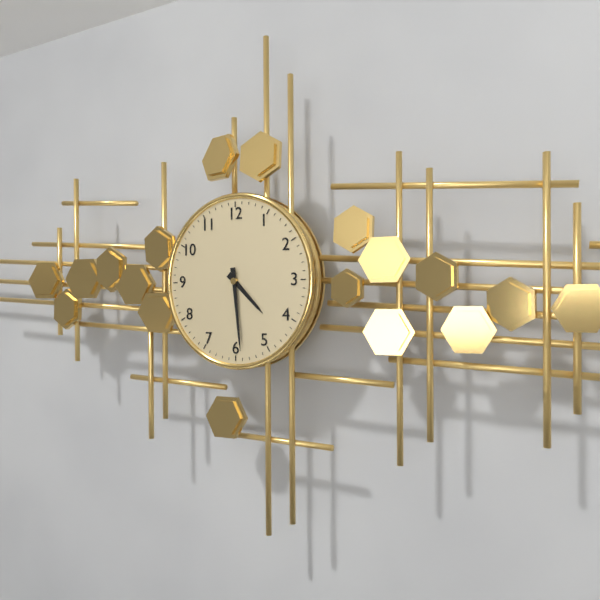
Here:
4,29
